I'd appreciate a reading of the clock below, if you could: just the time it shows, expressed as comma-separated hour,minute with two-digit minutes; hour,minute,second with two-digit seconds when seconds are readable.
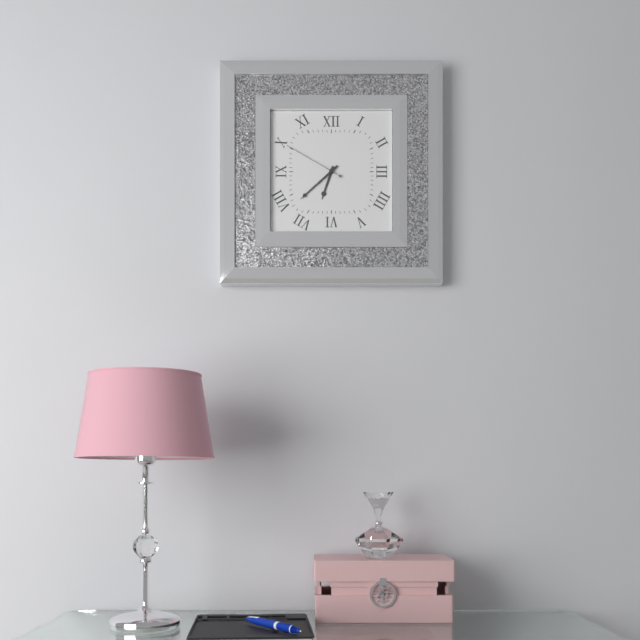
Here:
6,38,50
